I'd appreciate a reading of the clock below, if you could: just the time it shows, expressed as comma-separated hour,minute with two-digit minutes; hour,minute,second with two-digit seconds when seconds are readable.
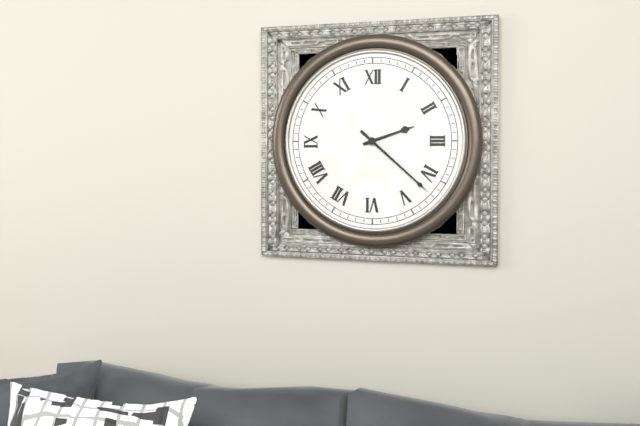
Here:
2,22
